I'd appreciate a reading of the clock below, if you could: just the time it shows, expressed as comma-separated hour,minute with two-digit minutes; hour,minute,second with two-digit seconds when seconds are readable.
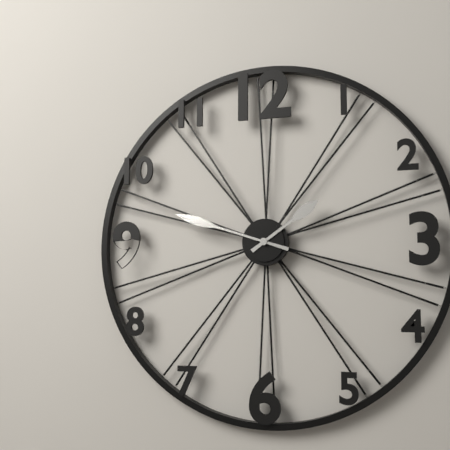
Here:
1,48
